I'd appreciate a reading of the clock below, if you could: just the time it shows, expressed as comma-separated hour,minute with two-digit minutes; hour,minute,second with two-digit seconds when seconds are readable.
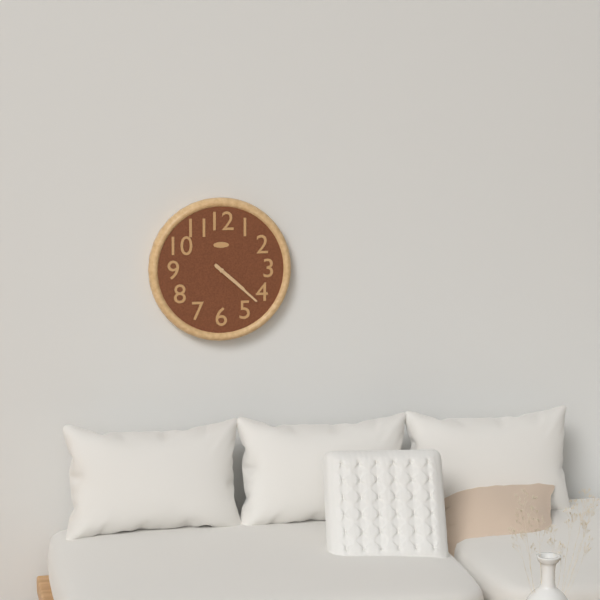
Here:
4,22
